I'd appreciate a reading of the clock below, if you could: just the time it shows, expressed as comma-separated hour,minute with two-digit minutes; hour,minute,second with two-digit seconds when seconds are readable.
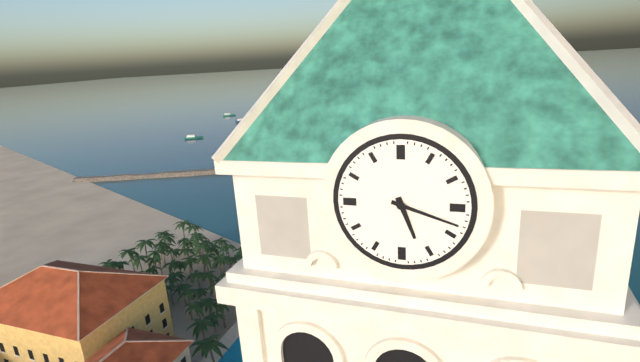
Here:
5,18
